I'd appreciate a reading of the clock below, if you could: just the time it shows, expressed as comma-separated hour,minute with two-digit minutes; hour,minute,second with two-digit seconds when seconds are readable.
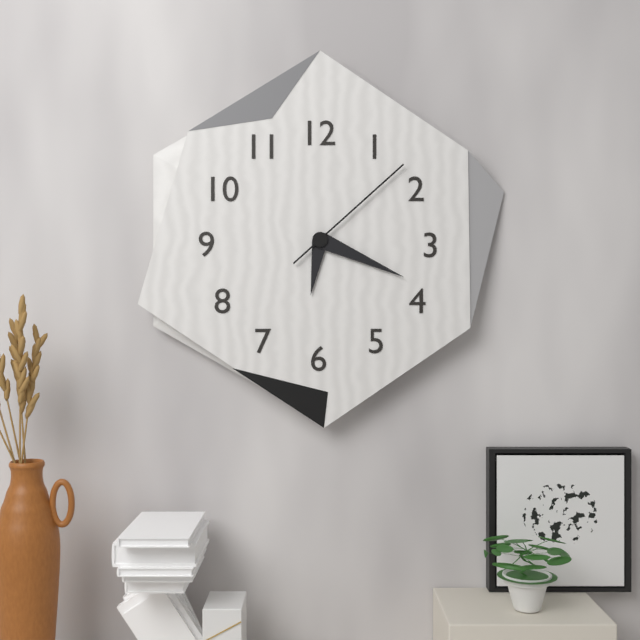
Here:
6,19,08
